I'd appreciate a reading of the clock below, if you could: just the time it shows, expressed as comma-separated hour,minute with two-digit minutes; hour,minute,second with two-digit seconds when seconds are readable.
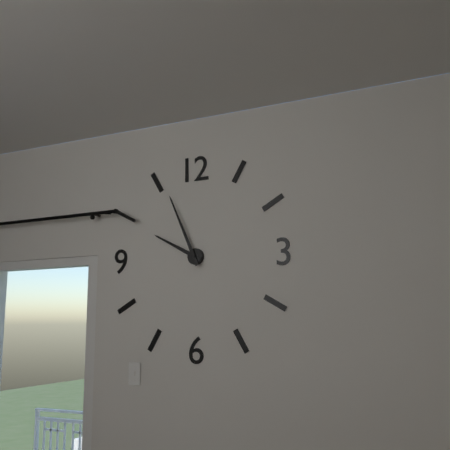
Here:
9,56
